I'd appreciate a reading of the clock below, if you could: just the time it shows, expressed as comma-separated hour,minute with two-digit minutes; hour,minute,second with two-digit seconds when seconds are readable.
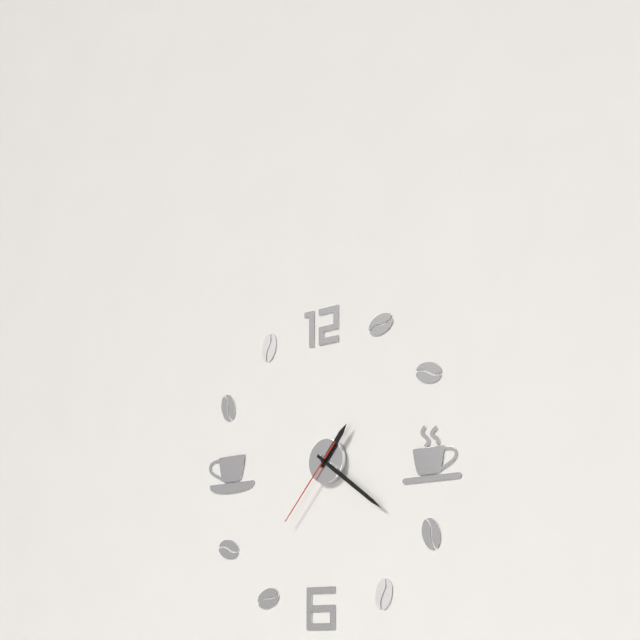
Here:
1,21,37
